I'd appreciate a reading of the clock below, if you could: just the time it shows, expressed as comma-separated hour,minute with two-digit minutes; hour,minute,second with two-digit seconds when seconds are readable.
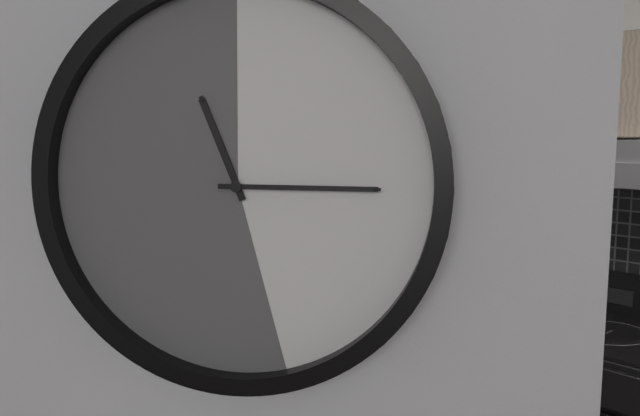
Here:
11,15
